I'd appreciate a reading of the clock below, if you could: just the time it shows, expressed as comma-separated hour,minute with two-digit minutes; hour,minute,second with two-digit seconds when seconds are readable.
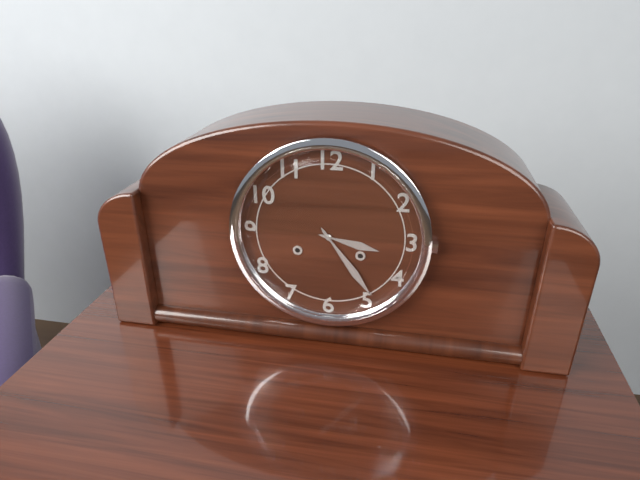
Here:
3,24
